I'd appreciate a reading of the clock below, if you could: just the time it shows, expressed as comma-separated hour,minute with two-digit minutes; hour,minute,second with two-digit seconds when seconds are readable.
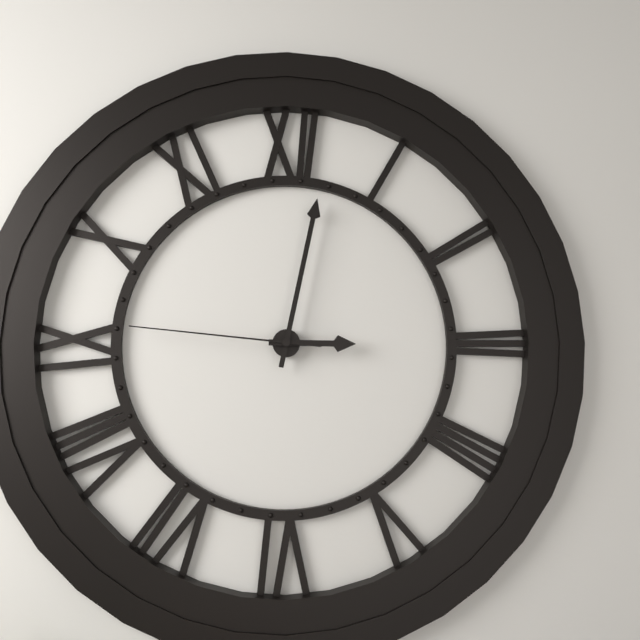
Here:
3,02,46
